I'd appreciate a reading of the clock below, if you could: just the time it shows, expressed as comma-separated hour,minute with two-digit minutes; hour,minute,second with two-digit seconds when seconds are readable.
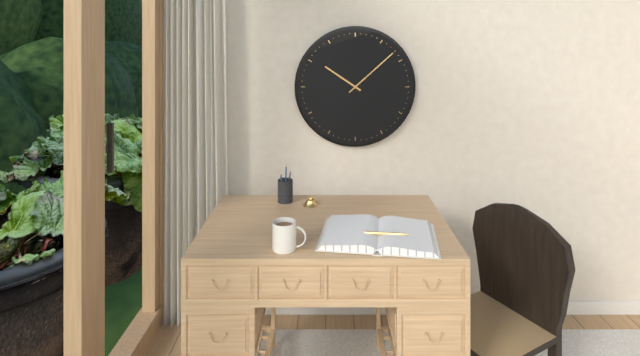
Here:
10,08
